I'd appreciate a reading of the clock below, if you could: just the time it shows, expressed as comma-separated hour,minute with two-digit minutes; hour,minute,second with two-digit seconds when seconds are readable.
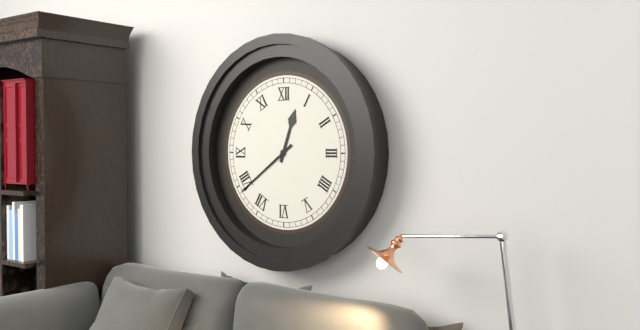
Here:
12,39
